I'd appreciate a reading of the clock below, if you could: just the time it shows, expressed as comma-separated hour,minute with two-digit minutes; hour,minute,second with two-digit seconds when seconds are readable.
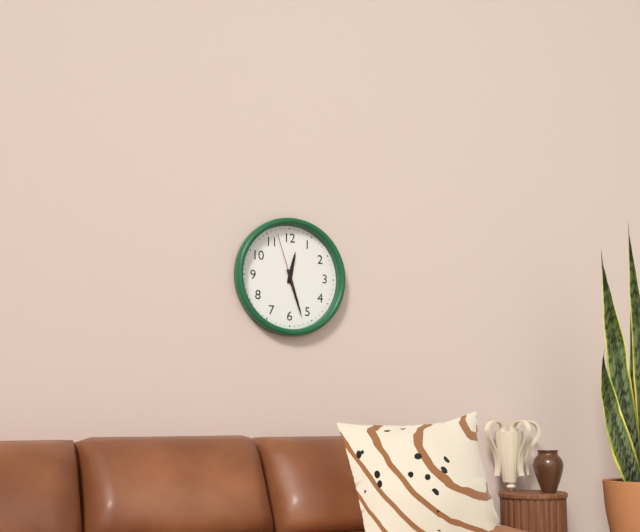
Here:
12,27,57
